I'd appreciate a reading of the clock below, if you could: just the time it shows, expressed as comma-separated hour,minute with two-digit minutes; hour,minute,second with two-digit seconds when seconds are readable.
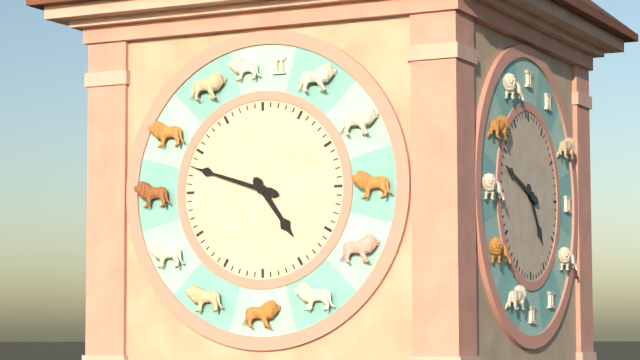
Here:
4,48
